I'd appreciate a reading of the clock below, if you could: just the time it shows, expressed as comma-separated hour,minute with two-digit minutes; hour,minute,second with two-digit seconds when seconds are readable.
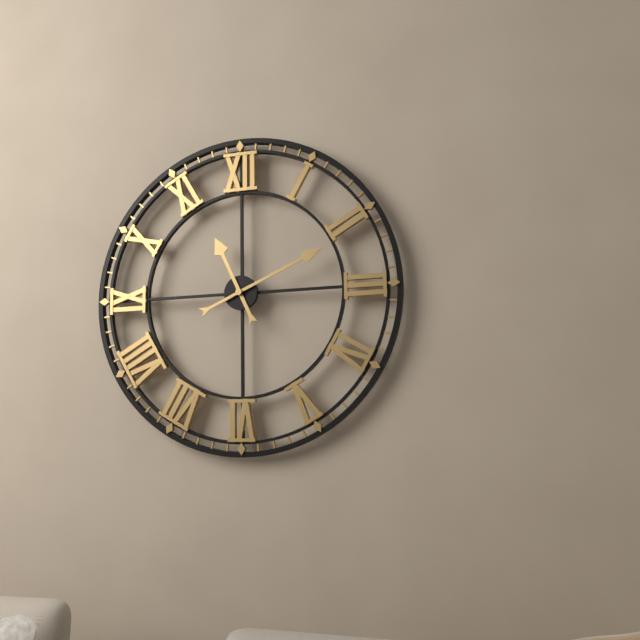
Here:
11,11
